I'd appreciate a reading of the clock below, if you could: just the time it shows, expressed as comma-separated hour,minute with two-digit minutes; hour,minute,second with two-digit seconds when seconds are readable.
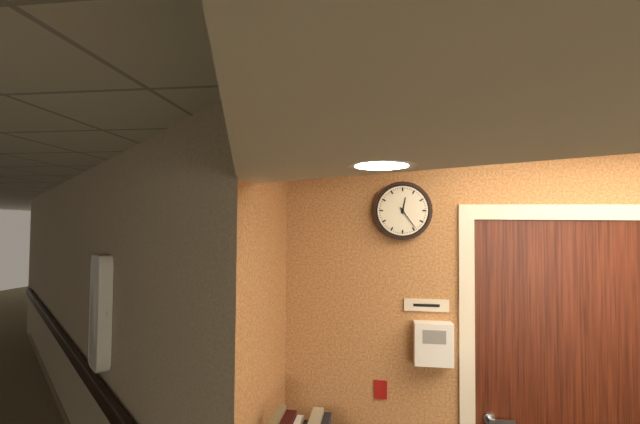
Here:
12,24
